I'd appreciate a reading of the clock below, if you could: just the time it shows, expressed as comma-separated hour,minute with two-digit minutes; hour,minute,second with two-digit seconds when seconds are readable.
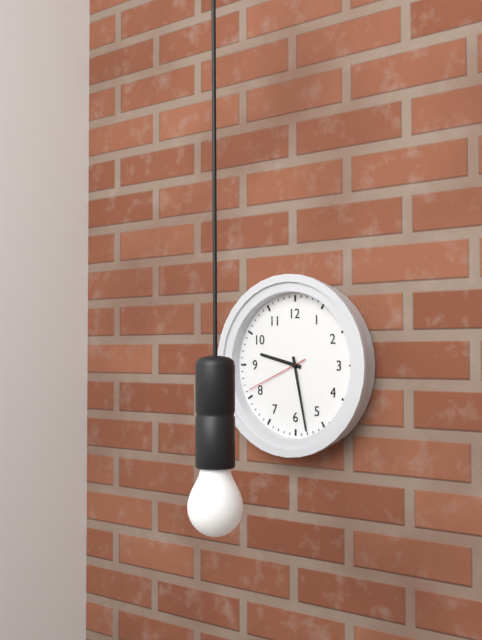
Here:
9,28,41
